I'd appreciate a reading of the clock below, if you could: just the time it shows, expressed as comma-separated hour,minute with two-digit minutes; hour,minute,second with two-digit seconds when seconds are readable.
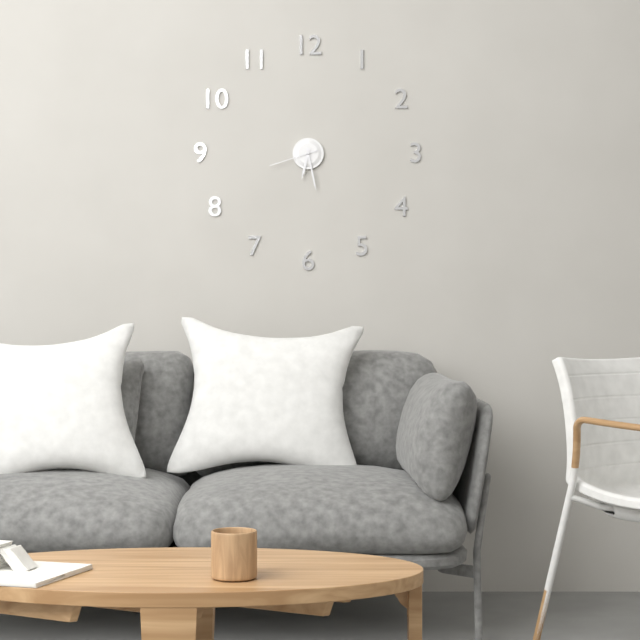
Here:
6,28,42
